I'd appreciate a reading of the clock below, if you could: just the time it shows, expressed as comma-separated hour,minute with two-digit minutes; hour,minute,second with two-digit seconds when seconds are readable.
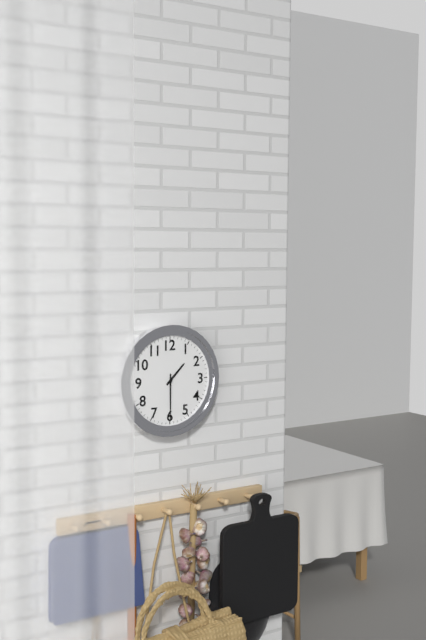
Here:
1,30
